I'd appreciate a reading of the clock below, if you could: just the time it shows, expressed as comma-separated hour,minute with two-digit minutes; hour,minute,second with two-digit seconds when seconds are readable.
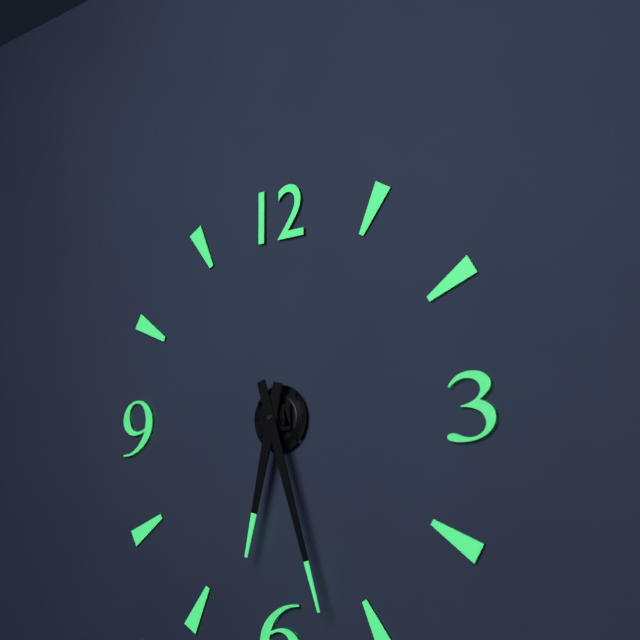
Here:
6,27
